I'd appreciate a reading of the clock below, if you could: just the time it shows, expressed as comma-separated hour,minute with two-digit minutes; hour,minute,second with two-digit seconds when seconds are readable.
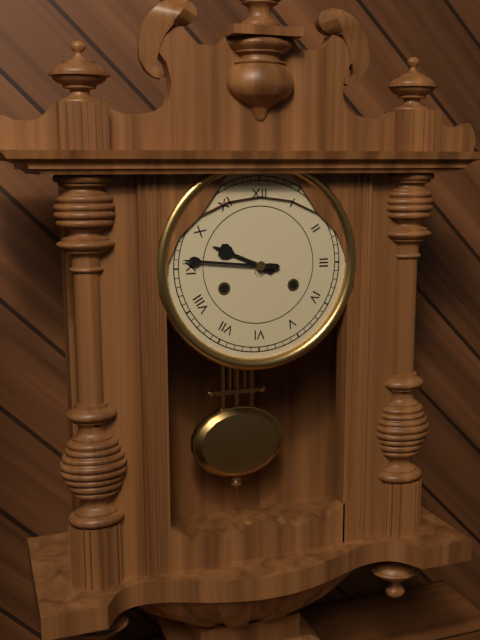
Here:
9,46
